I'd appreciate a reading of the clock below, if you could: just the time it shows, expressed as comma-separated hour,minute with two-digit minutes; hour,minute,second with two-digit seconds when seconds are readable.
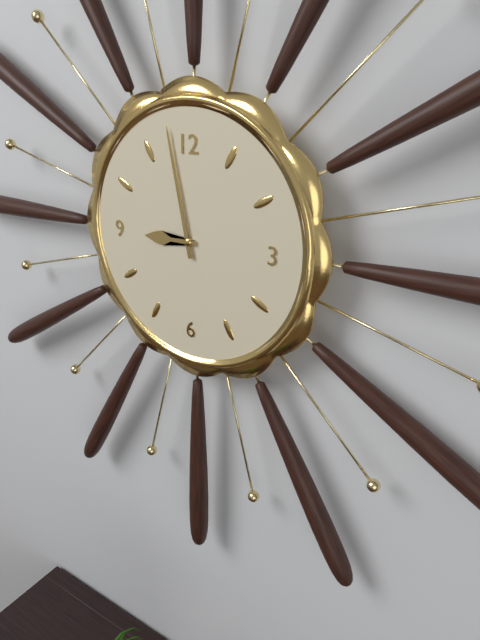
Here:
8,58
